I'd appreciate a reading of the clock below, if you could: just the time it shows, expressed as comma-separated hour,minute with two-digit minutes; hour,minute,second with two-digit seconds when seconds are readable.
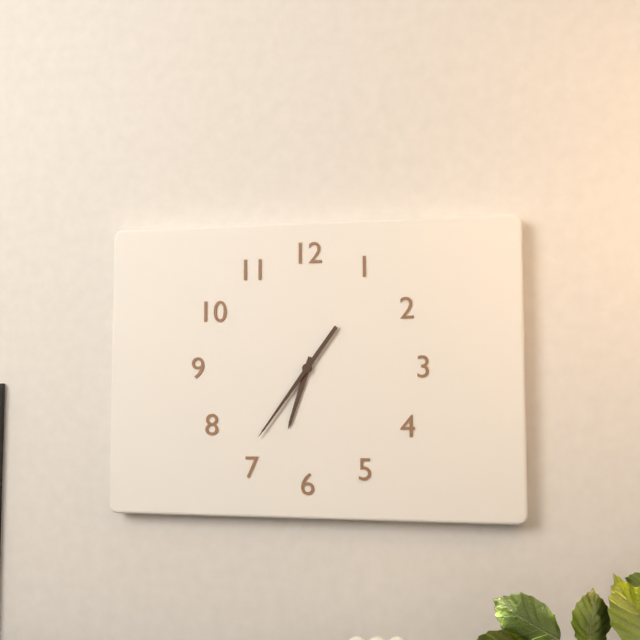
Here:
6,36
